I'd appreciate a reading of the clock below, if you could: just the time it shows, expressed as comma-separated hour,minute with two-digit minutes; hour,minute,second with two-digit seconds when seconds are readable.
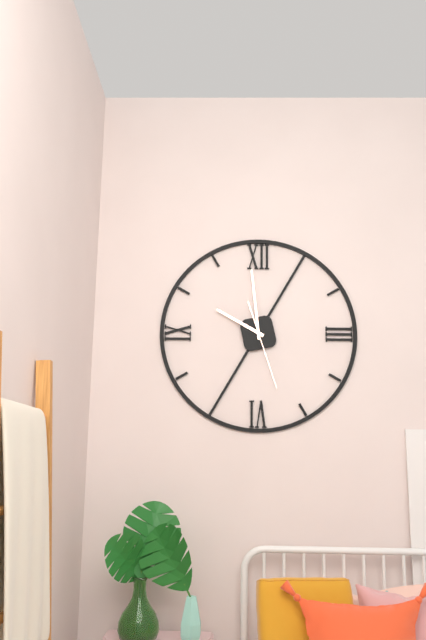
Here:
9,59,27
